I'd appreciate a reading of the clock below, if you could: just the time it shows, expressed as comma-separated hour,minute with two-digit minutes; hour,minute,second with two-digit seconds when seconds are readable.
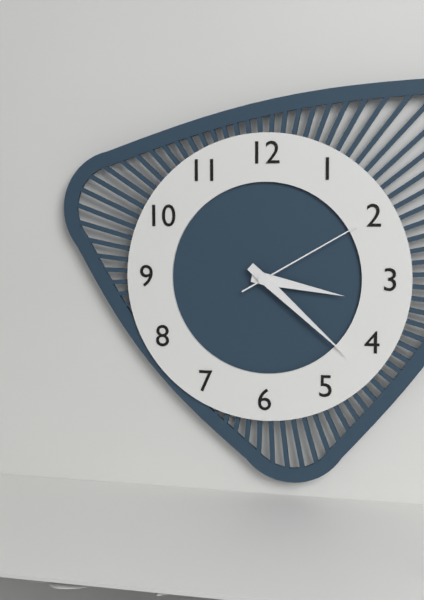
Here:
3,22,10
